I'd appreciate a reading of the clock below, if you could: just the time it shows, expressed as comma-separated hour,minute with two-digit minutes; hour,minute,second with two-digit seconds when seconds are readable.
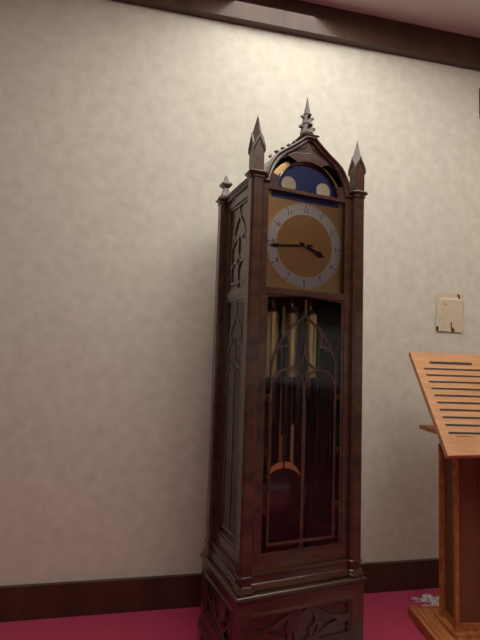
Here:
3,44
